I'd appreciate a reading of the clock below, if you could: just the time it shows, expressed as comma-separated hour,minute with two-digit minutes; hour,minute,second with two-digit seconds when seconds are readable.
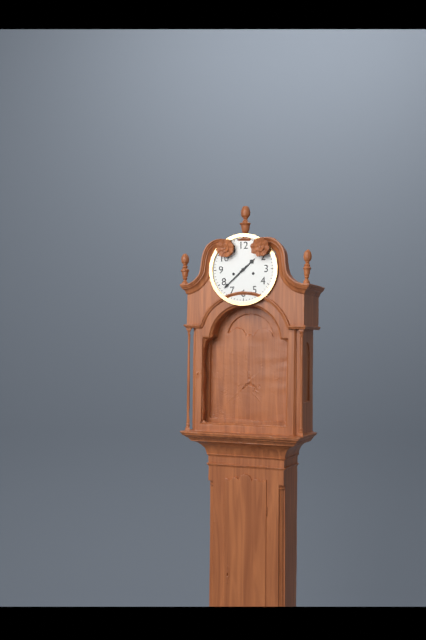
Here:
1,38
